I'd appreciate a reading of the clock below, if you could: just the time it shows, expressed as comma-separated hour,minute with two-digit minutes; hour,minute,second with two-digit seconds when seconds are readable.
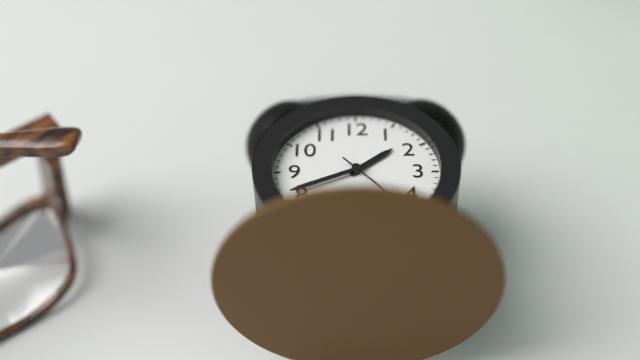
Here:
1,41
